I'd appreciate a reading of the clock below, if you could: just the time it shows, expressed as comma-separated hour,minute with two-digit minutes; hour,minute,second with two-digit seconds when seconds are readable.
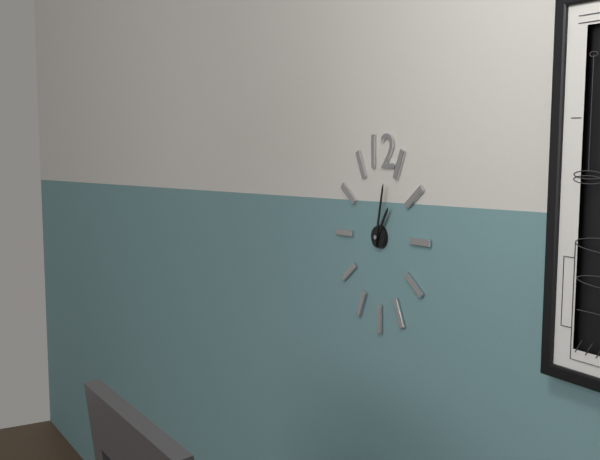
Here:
1,02
